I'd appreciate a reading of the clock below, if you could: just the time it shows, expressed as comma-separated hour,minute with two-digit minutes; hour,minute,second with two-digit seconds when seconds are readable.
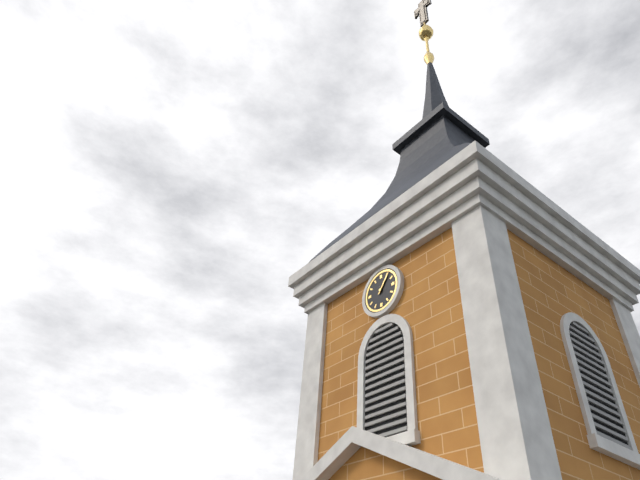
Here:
1,06
